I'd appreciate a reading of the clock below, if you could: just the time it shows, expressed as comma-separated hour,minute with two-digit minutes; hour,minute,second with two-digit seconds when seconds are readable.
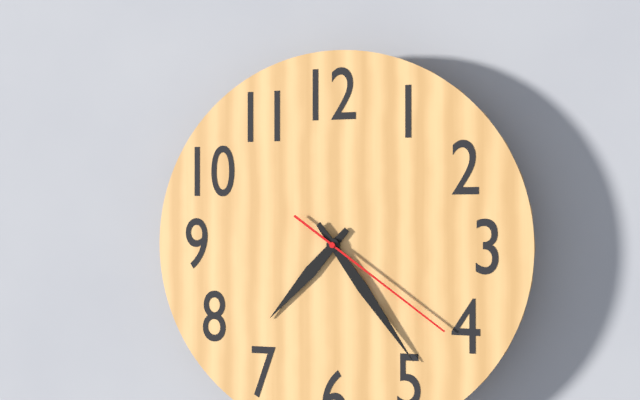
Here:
7,24,21
